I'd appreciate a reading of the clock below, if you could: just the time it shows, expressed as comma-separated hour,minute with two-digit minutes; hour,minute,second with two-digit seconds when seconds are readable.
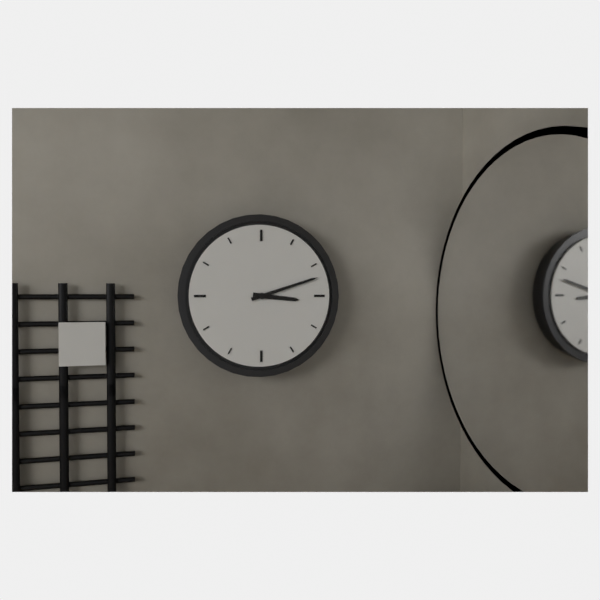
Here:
3,12
